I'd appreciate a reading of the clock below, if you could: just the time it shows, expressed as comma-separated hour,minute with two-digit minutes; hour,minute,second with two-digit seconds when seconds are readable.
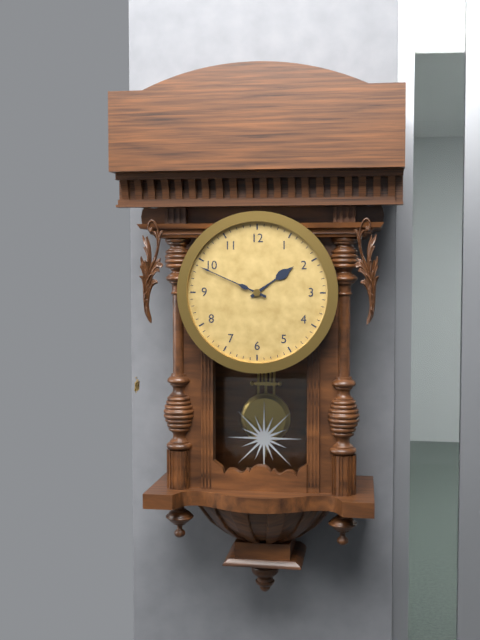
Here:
1,49
